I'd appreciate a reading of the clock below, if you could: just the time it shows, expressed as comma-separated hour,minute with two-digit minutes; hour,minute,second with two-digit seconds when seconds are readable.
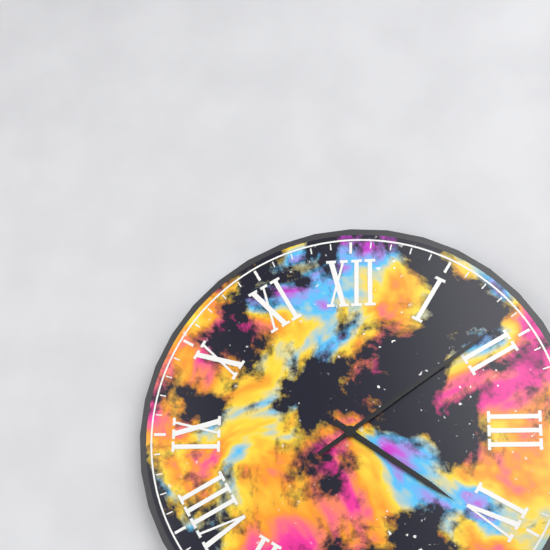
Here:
4,09
